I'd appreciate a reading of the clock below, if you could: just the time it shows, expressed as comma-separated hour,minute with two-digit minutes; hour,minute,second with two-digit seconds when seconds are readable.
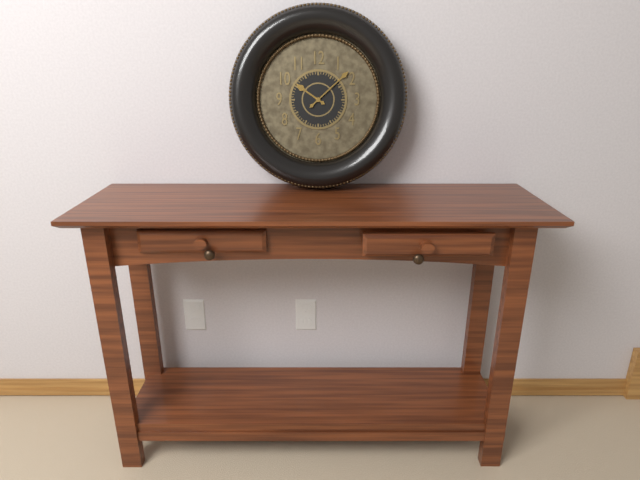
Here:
10,08
